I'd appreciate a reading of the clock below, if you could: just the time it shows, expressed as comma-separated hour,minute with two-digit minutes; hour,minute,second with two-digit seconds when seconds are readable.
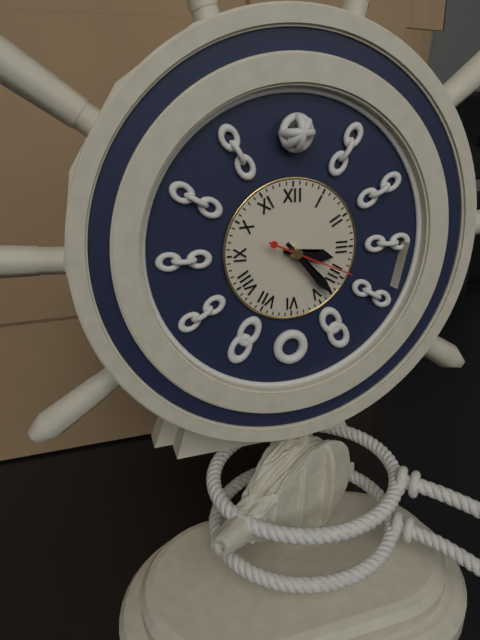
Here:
3,23,19
